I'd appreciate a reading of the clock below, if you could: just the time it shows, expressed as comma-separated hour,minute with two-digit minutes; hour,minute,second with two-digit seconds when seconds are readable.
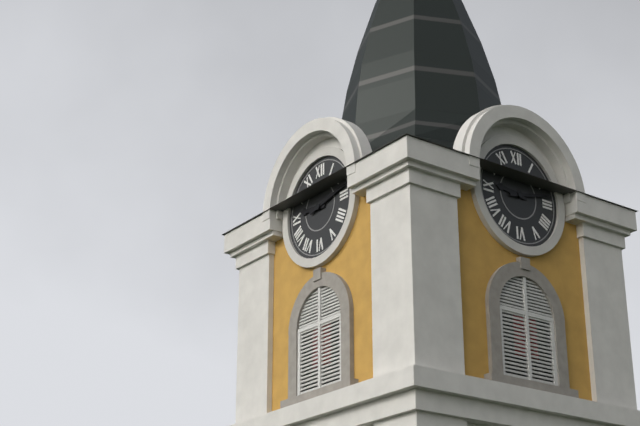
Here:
9,13
